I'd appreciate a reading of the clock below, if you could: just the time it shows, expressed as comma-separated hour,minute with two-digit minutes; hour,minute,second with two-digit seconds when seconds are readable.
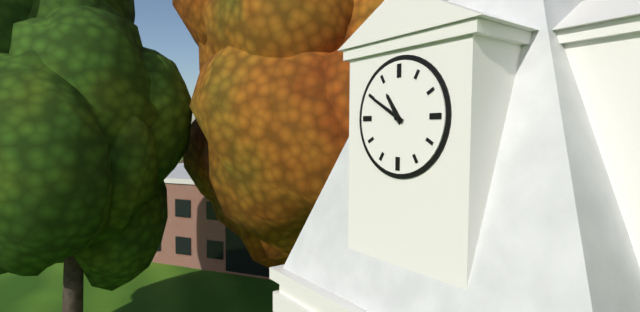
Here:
10,50
